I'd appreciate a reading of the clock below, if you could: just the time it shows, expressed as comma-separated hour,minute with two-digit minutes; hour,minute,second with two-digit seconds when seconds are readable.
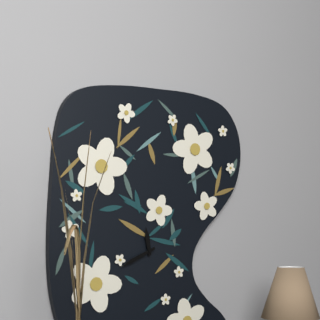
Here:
11,41
